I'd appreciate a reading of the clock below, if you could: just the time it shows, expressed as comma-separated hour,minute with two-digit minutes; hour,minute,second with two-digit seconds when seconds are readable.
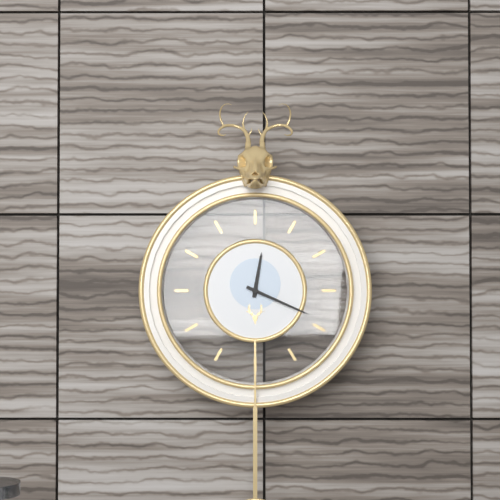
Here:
12,19
